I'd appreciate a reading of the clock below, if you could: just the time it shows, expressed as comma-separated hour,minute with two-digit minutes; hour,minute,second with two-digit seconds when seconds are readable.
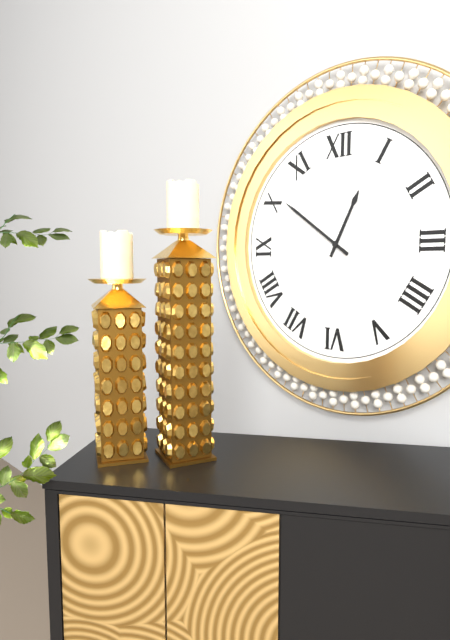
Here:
12,51
